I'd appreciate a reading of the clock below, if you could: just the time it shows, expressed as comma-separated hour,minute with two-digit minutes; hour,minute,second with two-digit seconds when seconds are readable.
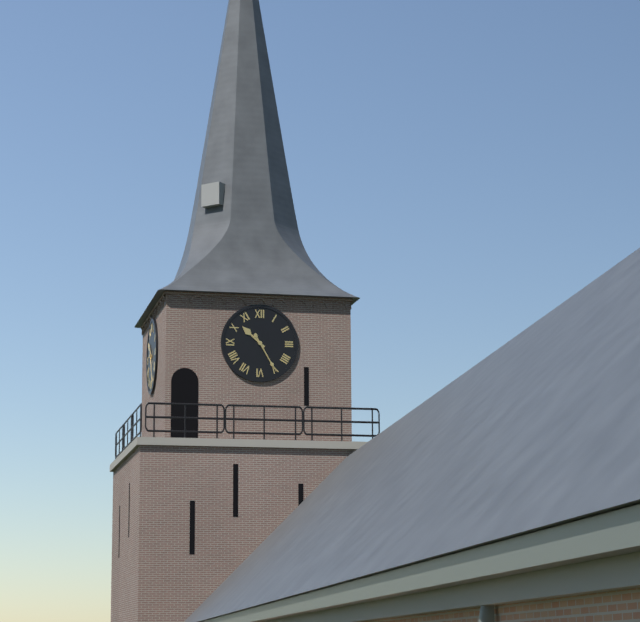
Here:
10,25
